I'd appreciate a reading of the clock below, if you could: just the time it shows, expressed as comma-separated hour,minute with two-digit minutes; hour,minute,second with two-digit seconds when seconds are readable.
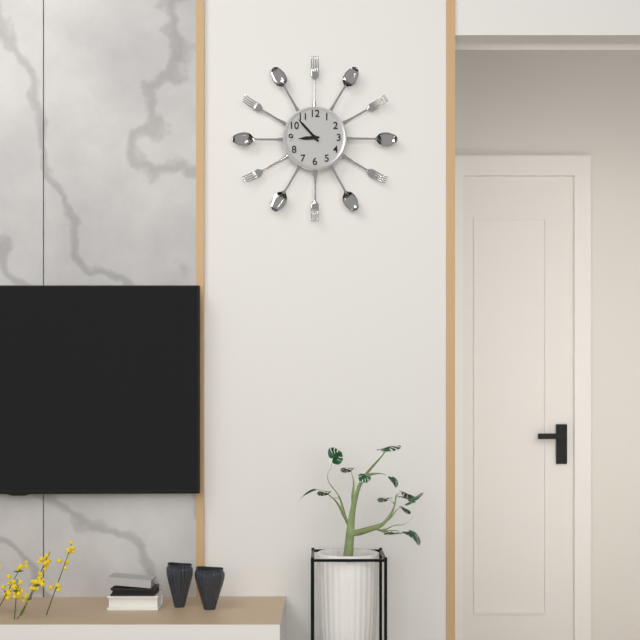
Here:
8,53
